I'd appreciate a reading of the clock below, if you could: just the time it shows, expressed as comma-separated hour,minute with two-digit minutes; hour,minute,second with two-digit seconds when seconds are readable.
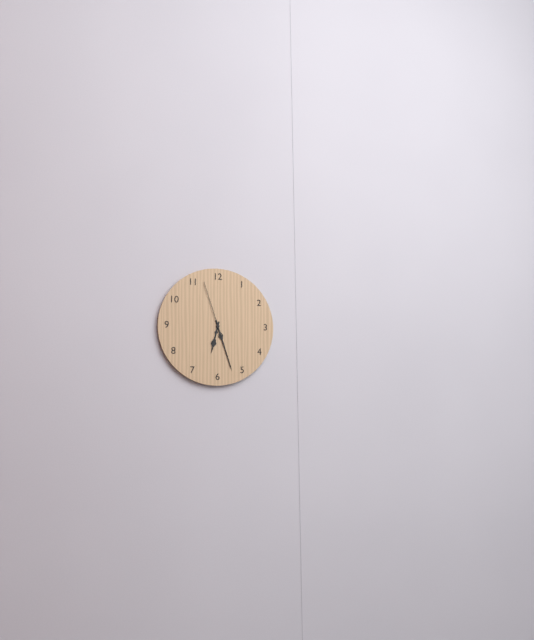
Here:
6,27,57
